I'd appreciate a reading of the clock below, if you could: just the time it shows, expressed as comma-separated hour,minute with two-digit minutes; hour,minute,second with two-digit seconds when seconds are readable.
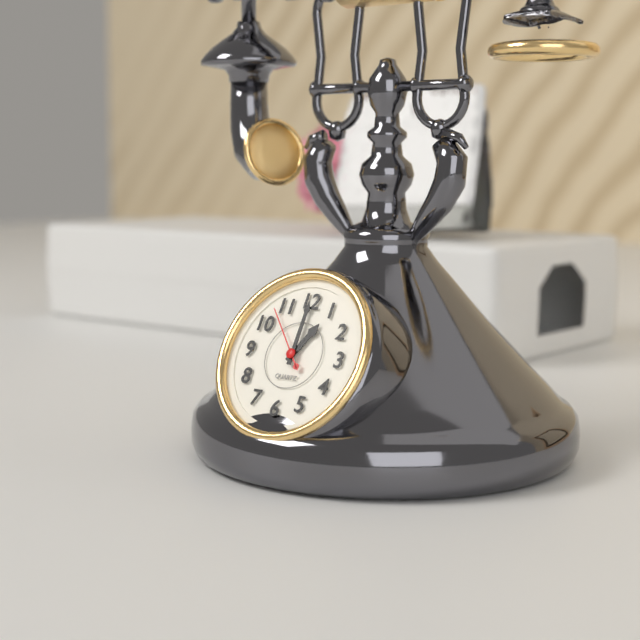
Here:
1,00,53
